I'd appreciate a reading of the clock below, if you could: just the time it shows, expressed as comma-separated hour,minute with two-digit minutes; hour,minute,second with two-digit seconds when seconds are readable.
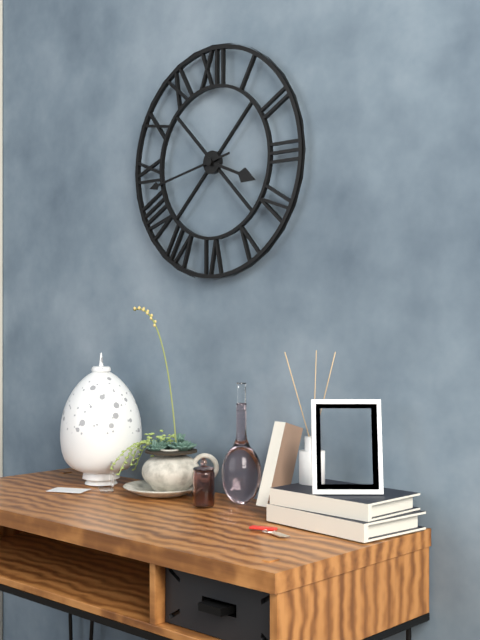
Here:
3,43
